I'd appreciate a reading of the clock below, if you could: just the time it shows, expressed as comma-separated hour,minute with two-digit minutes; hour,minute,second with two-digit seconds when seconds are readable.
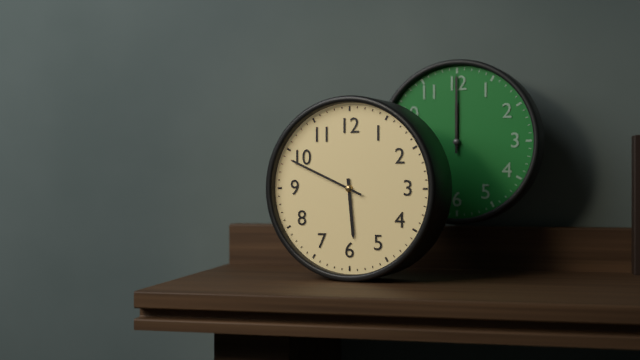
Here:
5,49
